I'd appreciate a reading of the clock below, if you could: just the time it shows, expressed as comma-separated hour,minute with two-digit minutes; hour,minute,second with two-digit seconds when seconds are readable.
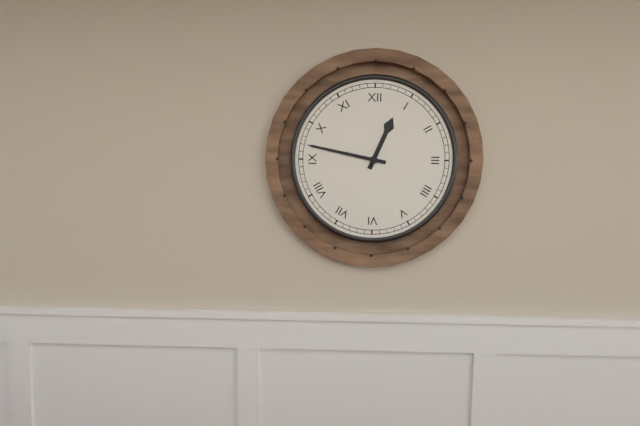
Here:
12,47
